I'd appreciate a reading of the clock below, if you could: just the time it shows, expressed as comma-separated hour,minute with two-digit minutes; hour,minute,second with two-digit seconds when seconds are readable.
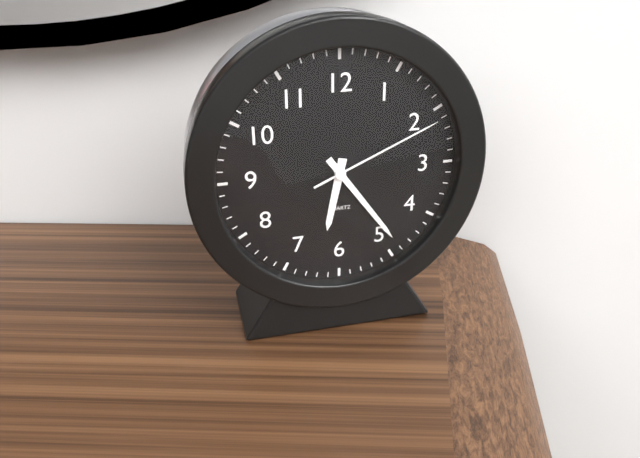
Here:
6,24,11
